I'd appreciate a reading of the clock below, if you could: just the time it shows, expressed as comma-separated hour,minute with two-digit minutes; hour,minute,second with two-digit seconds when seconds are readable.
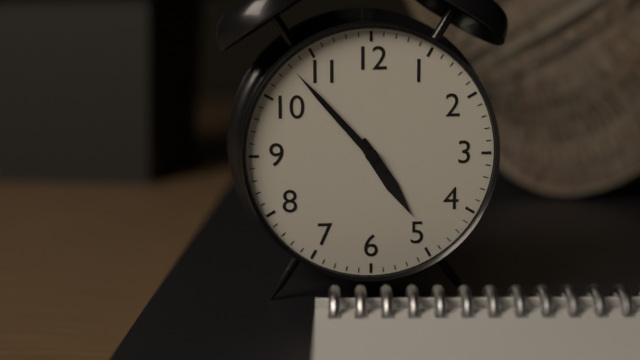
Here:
4,53
